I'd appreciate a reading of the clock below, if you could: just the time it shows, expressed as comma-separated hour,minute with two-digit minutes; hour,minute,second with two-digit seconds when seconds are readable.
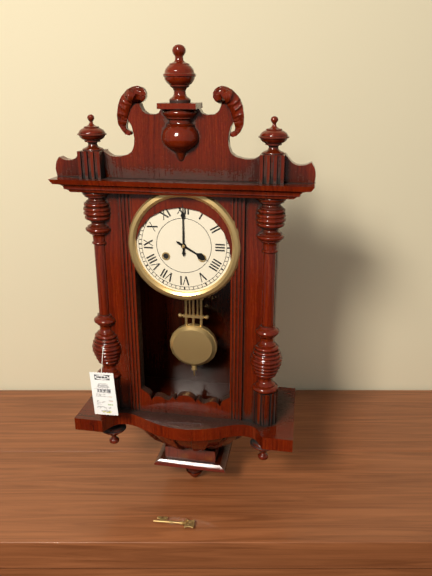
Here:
4,00
